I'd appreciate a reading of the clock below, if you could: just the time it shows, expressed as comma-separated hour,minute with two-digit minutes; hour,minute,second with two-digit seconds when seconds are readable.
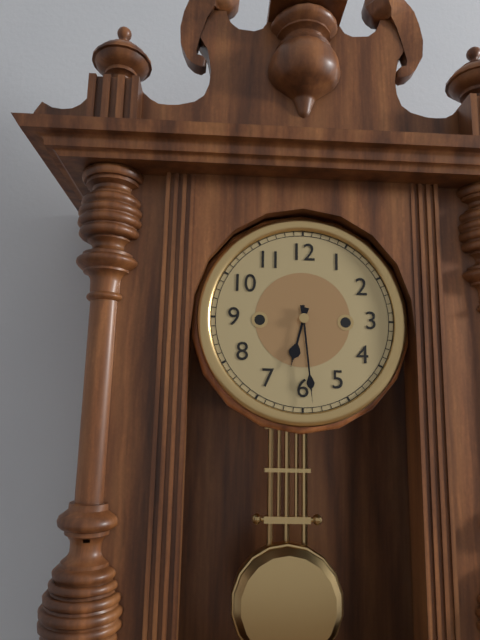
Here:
6,29
